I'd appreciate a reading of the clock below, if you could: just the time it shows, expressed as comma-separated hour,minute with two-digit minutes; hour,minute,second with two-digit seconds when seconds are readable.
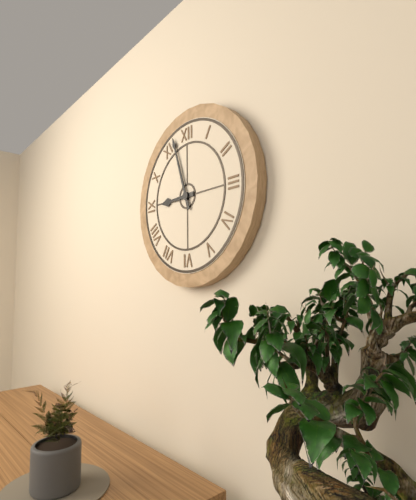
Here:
8,57
